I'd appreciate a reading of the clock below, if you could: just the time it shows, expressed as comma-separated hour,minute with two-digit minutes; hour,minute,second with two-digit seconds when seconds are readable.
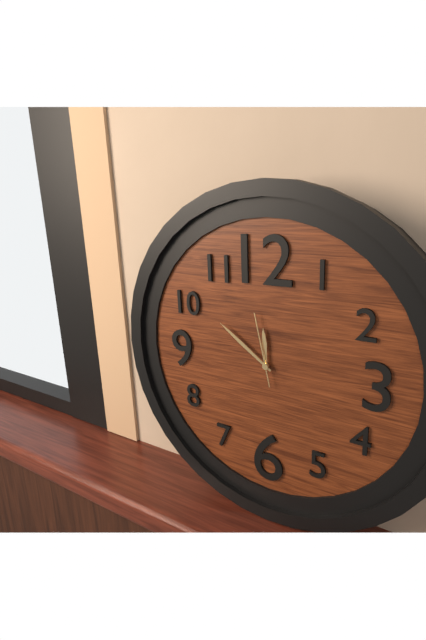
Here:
11,51,58
